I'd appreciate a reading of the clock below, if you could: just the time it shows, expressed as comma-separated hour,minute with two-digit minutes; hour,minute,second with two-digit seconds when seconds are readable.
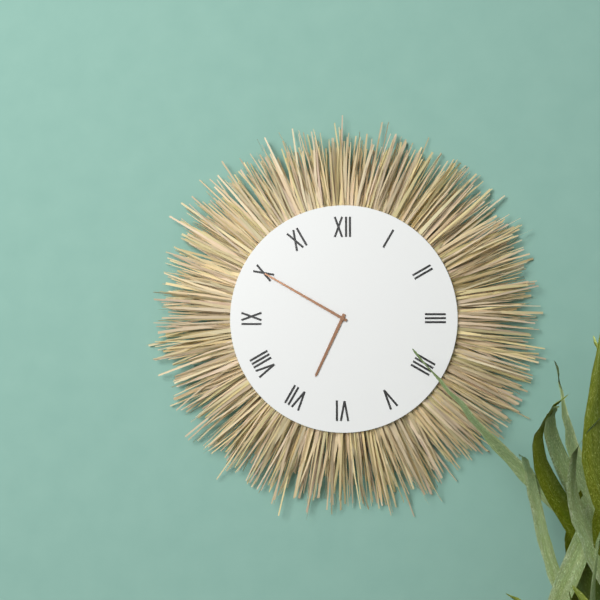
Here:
6,50
